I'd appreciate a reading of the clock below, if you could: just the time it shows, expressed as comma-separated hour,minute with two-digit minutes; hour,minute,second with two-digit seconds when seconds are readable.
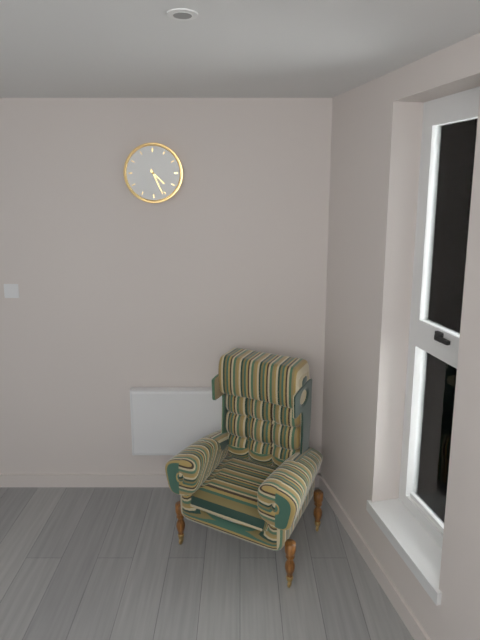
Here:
4,26
